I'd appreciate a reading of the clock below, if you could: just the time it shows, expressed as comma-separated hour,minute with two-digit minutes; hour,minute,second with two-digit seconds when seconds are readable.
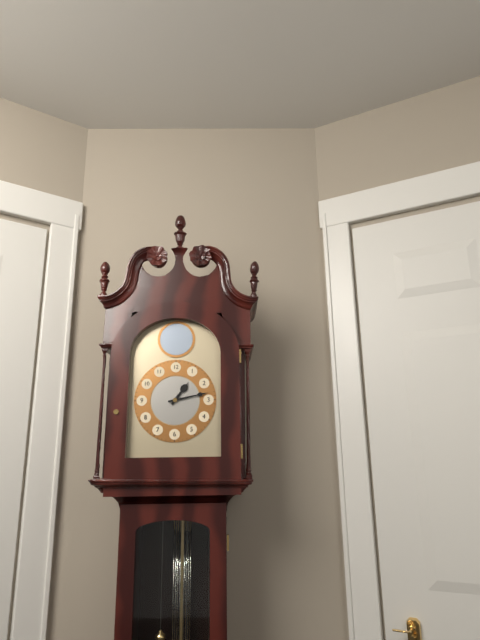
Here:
1,13
